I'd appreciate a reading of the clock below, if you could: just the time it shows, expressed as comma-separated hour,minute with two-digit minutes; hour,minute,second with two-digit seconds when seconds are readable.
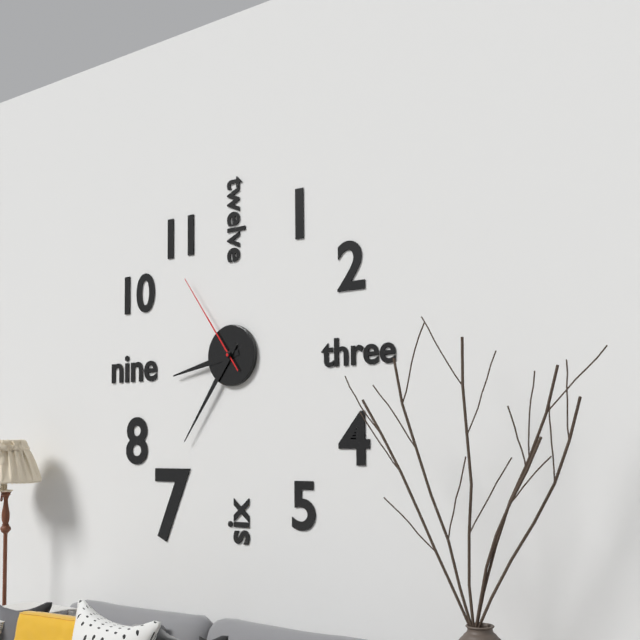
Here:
8,36,54
